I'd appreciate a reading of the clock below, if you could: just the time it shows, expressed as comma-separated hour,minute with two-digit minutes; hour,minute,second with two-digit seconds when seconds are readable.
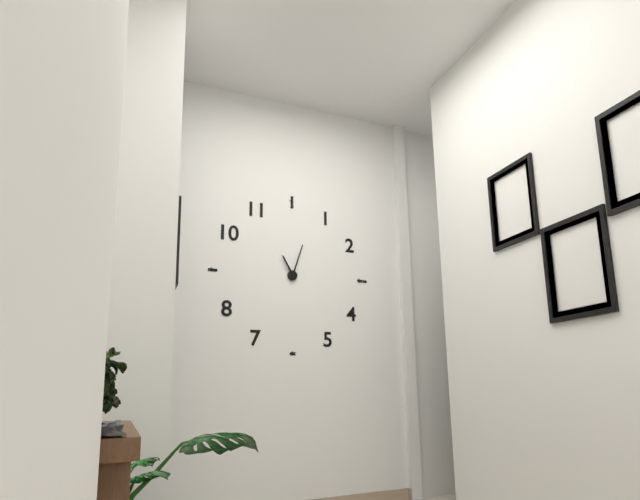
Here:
11,03
